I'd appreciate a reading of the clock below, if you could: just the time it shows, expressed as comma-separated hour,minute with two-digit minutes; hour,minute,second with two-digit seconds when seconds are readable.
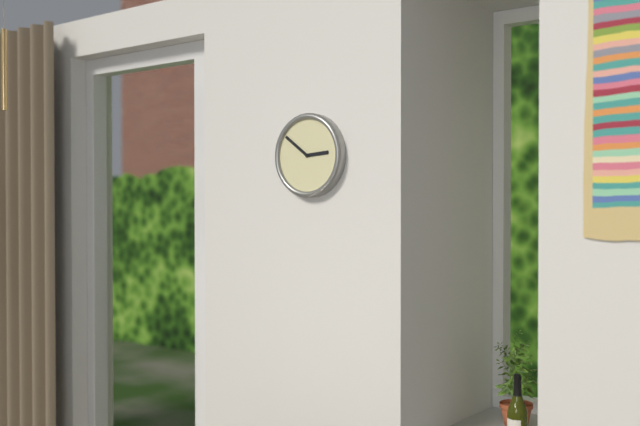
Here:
2,51
